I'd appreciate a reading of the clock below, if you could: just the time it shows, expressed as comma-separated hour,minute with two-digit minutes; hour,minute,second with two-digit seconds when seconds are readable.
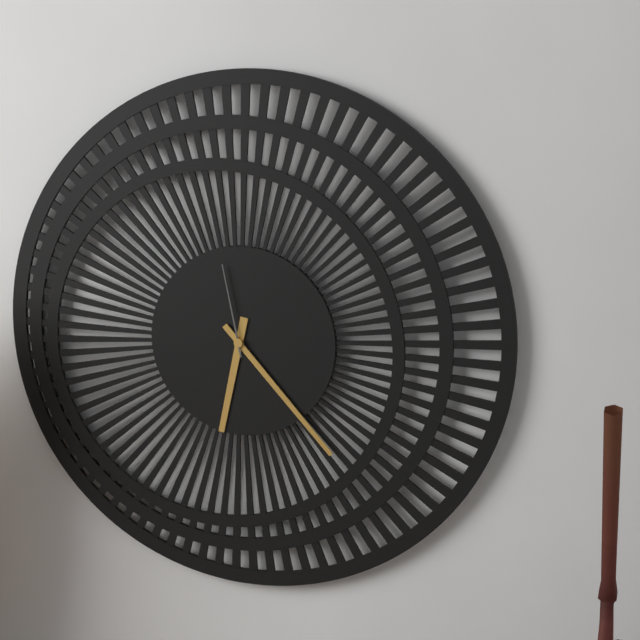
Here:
6,23,58
